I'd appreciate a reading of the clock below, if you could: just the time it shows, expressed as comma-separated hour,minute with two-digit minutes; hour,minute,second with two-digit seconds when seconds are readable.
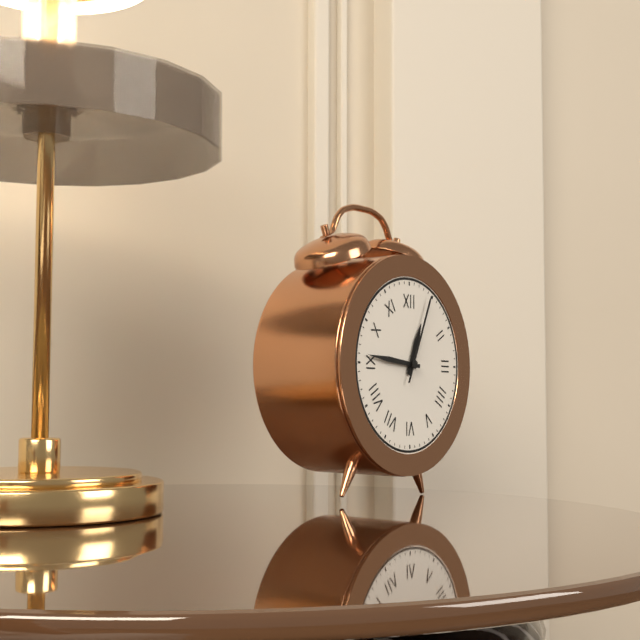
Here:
12,46,04
